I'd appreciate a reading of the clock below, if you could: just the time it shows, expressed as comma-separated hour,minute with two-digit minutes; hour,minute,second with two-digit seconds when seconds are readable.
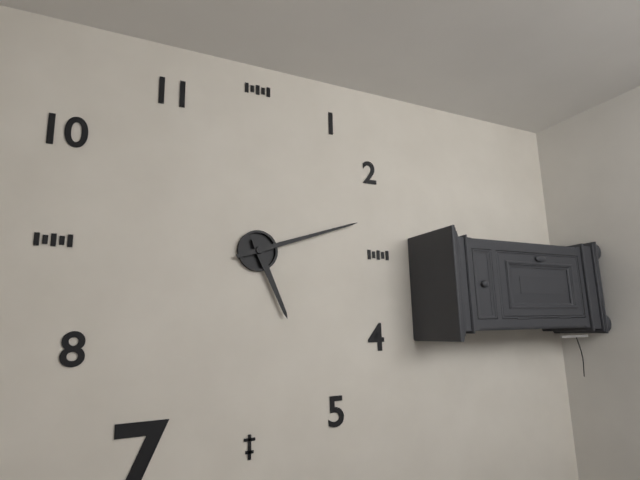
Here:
5,12
